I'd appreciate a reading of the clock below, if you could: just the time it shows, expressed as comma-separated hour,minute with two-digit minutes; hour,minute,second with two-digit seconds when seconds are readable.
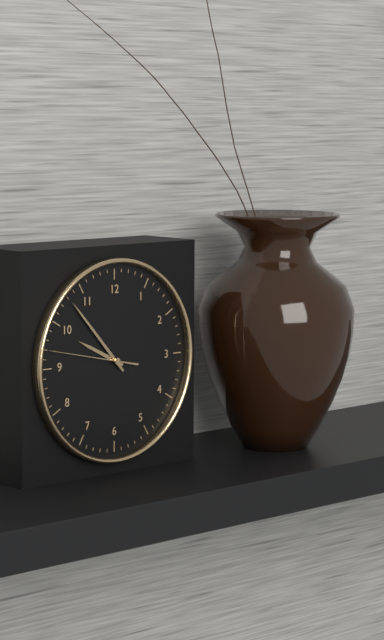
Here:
9,53,47
